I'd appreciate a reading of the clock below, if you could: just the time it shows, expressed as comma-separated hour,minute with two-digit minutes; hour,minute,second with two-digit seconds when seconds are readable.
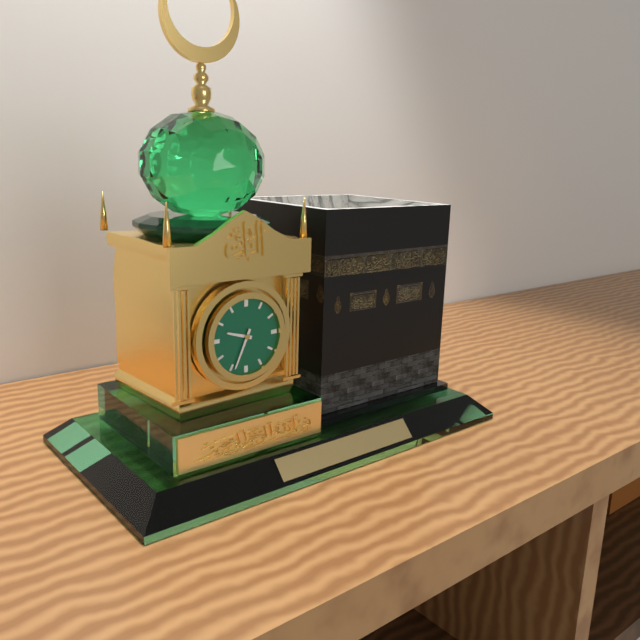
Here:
9,34
